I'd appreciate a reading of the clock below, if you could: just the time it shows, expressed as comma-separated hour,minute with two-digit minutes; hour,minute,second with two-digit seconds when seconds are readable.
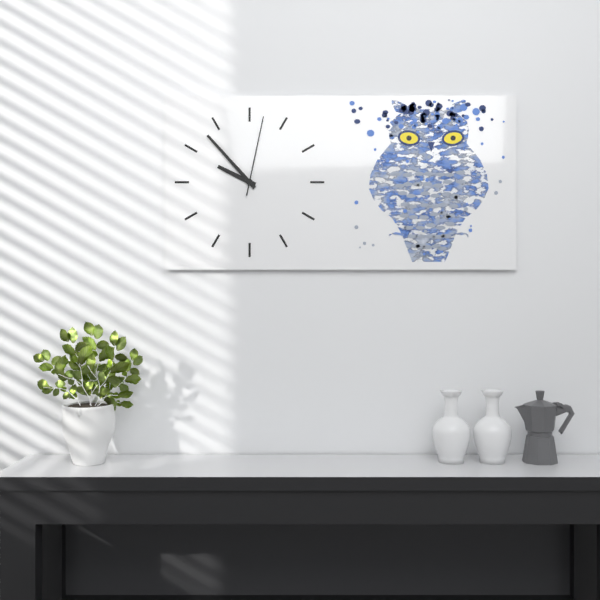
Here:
9,53,02
